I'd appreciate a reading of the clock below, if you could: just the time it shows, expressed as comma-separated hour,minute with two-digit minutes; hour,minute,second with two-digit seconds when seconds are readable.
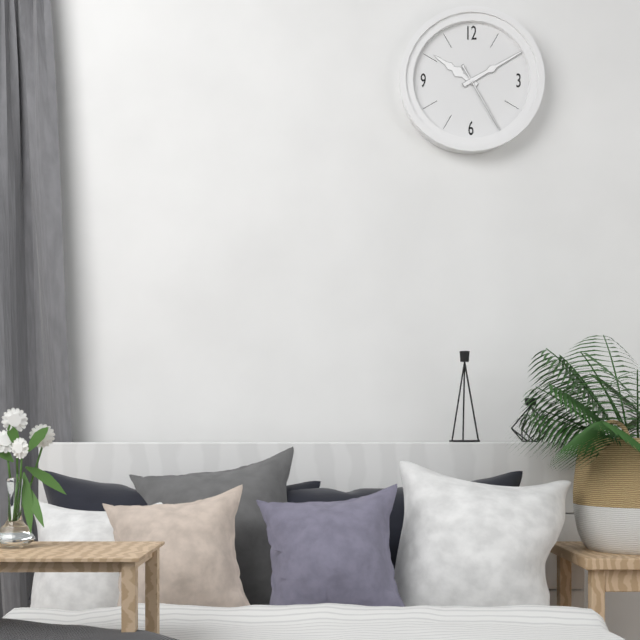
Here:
10,10,25
